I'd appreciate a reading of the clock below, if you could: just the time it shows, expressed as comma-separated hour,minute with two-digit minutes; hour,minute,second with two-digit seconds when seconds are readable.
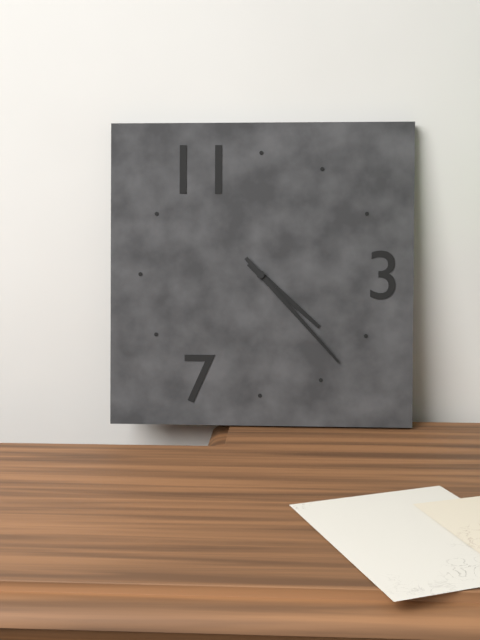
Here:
4,23
